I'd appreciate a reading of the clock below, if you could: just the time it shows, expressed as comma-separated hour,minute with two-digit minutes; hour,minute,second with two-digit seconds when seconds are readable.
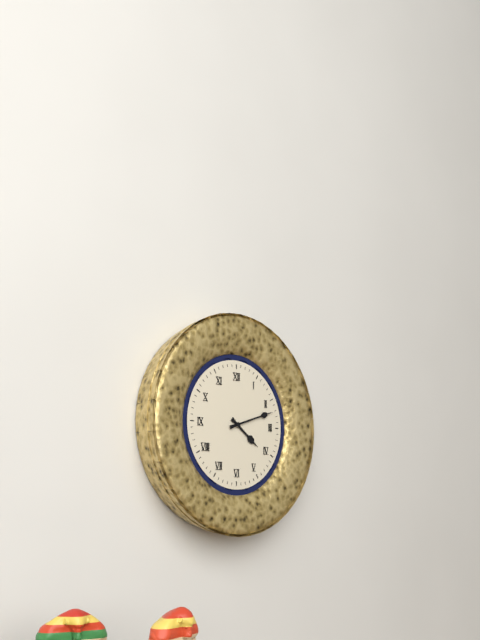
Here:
4,12
